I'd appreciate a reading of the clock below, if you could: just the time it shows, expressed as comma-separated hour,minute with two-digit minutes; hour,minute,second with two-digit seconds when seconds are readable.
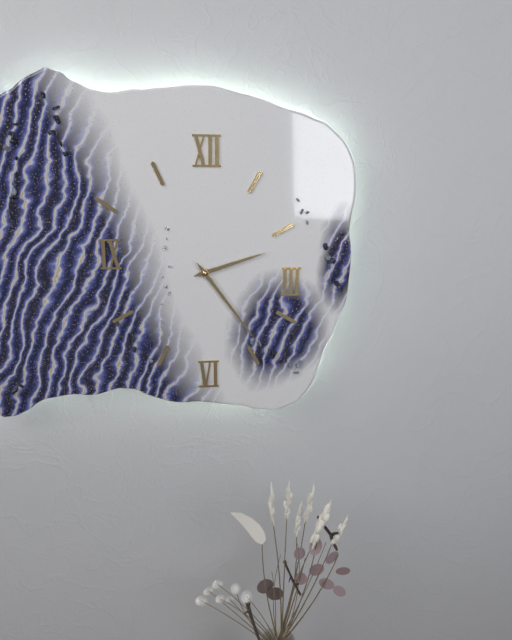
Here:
2,24
